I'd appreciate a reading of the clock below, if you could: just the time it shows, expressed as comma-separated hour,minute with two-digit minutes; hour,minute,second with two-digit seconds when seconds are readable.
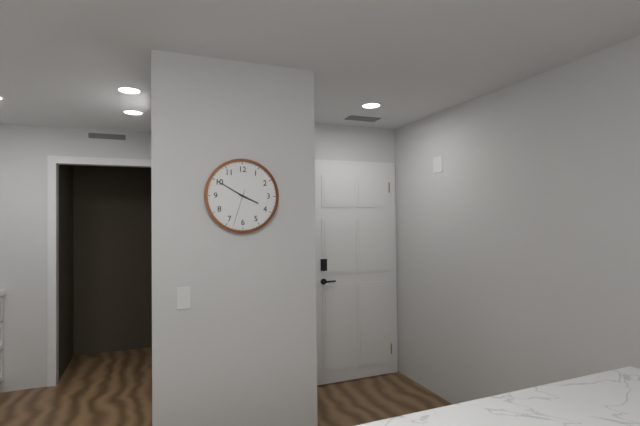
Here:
3,50
